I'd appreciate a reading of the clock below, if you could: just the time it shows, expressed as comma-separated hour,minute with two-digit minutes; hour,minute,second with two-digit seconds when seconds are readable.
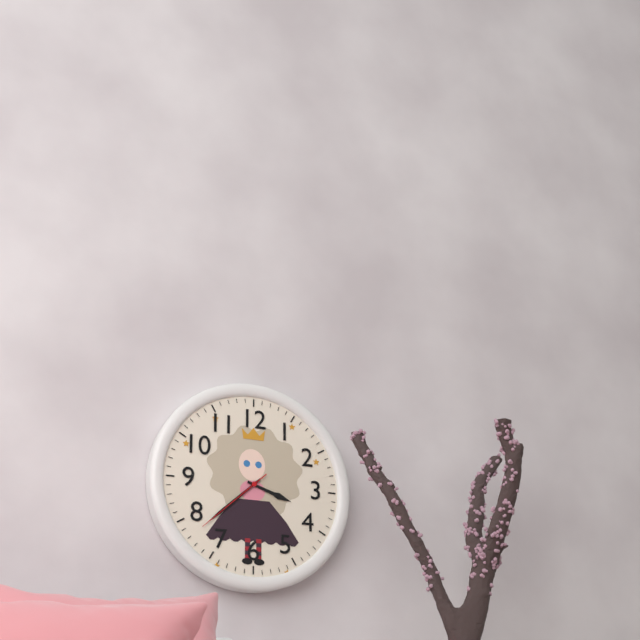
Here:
3,38,38
